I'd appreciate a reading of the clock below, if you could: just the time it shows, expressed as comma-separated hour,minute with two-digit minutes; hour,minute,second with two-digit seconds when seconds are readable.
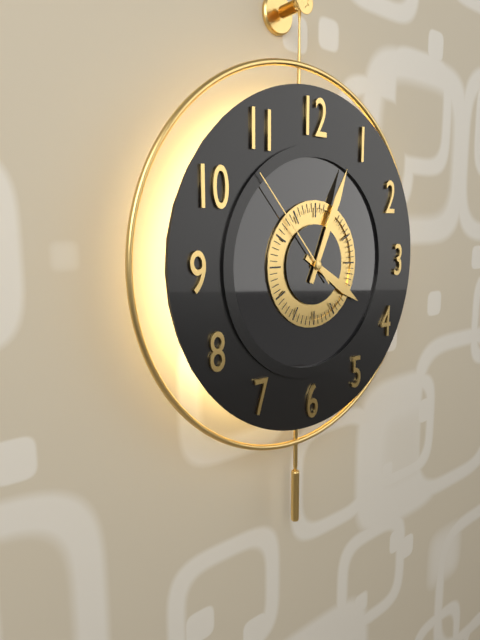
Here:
4,04,53
